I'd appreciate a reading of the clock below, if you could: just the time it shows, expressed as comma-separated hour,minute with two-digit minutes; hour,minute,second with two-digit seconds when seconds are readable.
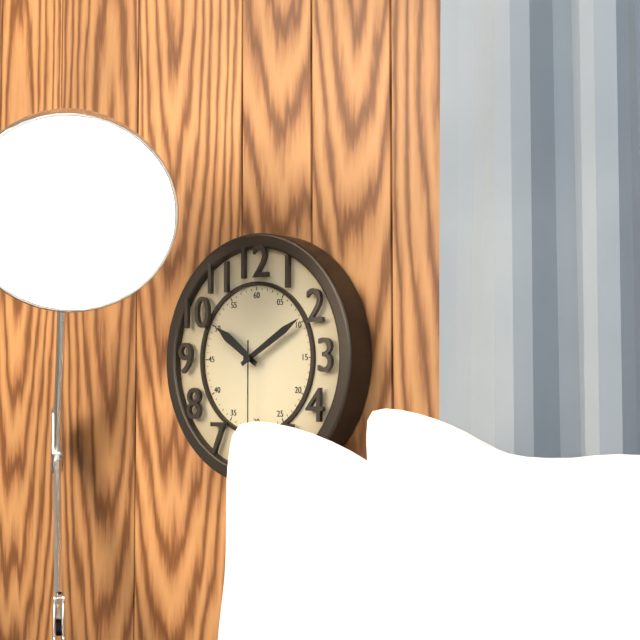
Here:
10,10,30
